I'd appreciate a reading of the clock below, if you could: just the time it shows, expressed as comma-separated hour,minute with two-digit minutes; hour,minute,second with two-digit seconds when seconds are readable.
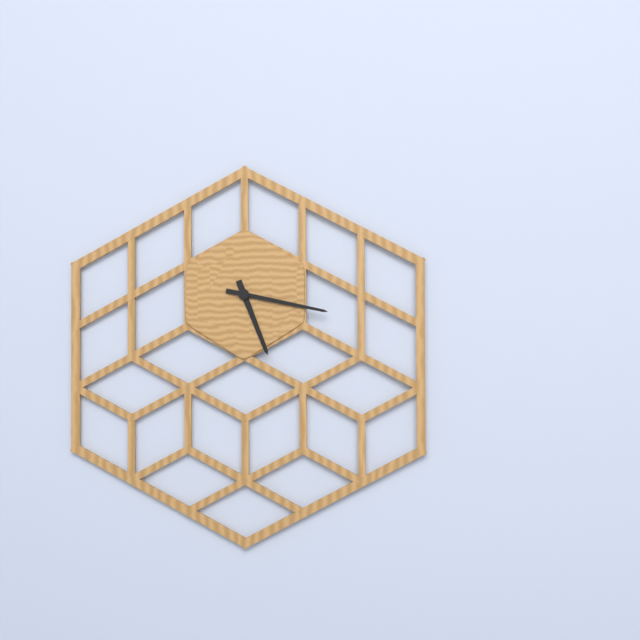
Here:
5,17
